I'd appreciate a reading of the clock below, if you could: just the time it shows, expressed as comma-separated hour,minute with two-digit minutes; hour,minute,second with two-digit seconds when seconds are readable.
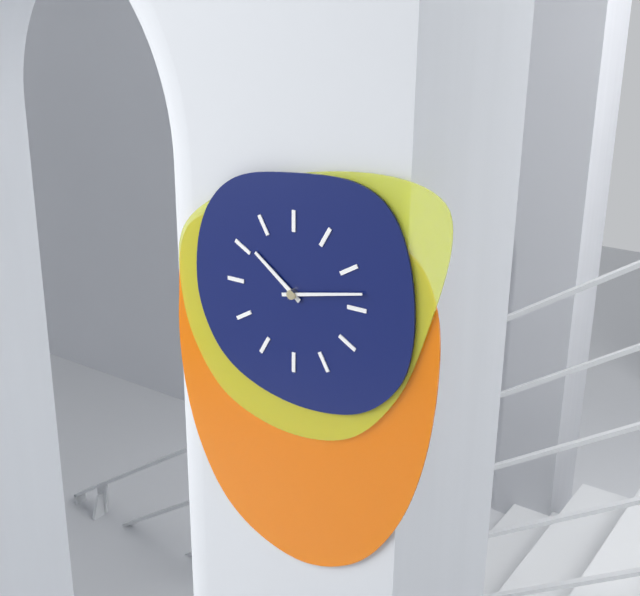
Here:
10,13
